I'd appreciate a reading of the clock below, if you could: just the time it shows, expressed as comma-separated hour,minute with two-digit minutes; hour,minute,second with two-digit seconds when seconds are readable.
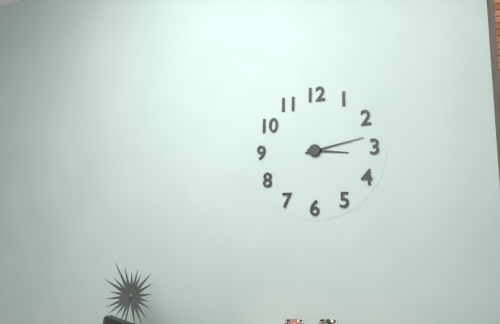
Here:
3,13
